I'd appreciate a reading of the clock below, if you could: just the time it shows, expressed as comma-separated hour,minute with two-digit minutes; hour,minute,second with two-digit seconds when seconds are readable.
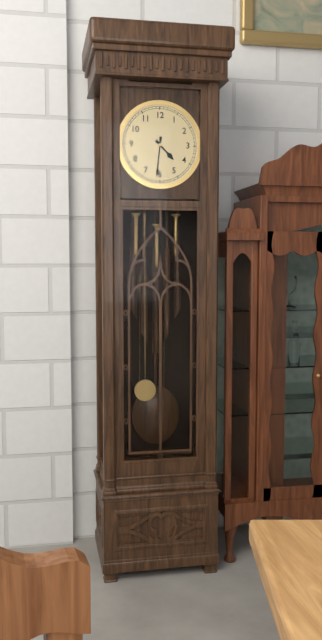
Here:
4,31
